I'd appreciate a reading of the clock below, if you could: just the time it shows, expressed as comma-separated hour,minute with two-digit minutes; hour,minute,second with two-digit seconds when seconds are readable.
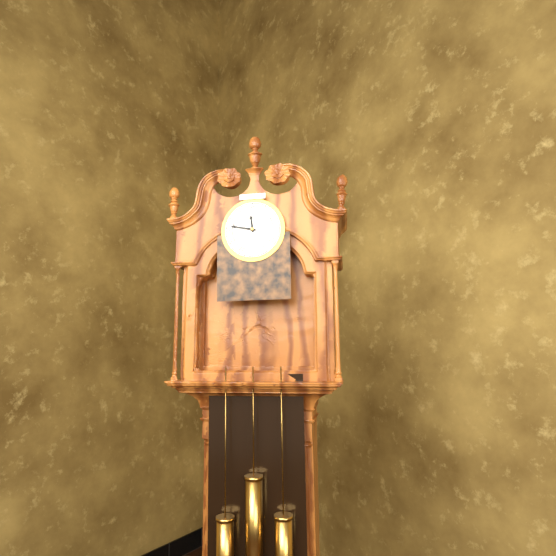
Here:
11,47
